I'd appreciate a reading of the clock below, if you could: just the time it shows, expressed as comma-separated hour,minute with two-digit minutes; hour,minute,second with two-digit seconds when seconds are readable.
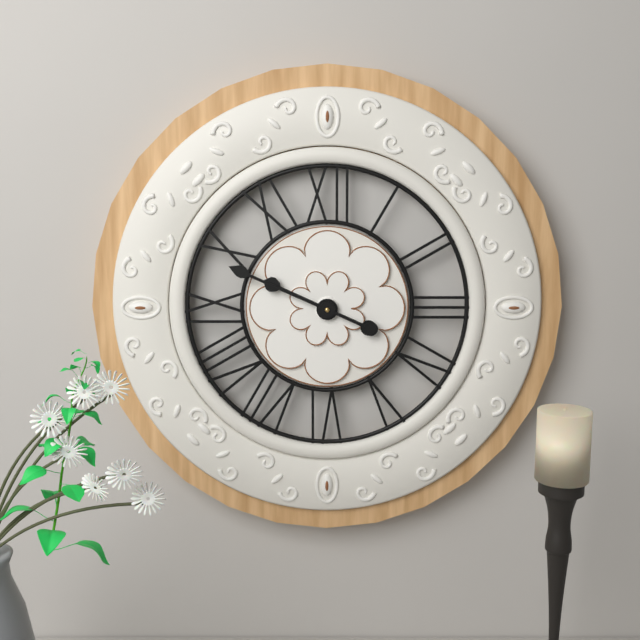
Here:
9,49
